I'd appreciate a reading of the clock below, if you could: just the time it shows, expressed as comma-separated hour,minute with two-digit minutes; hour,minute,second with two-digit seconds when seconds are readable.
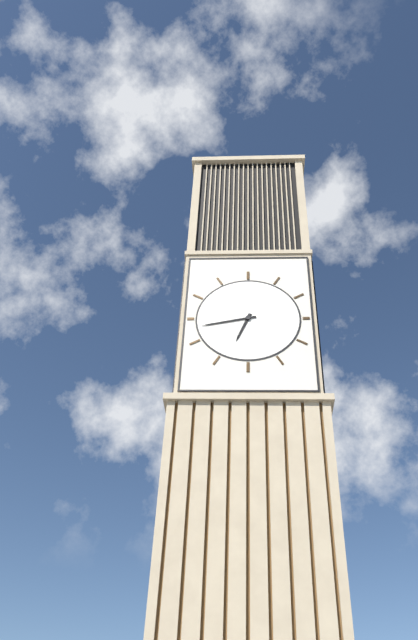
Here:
6,43
